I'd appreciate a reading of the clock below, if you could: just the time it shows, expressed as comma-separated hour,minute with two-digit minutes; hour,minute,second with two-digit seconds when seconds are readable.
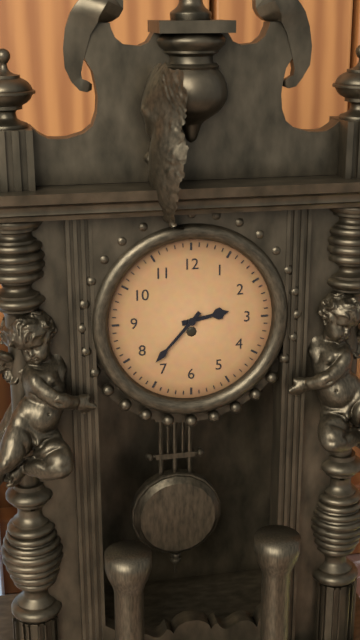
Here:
2,37
